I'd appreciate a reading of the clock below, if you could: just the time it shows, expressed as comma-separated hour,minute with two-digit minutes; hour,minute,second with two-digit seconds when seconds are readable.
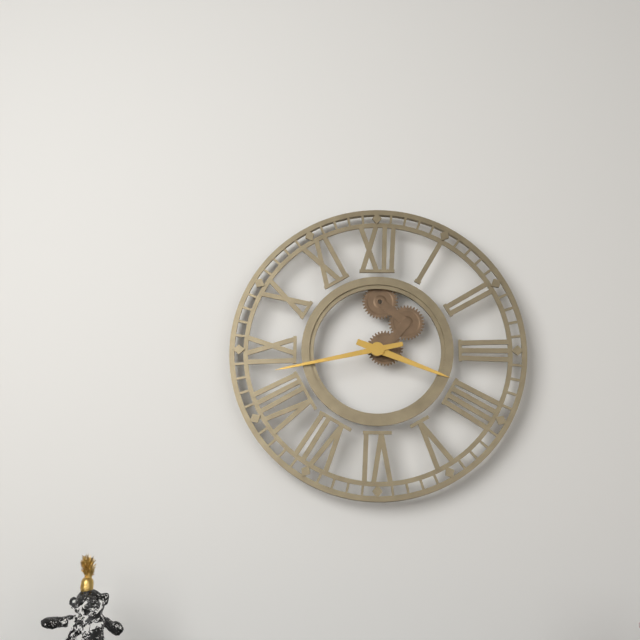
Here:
3,43
